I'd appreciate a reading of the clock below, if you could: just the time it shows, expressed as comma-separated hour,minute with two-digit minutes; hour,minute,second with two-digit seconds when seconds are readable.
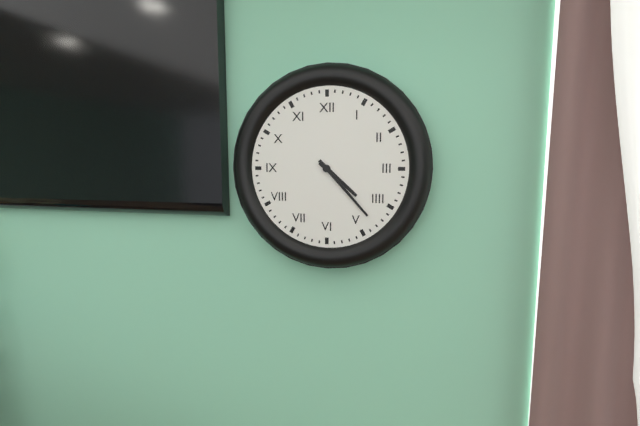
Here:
4,23
